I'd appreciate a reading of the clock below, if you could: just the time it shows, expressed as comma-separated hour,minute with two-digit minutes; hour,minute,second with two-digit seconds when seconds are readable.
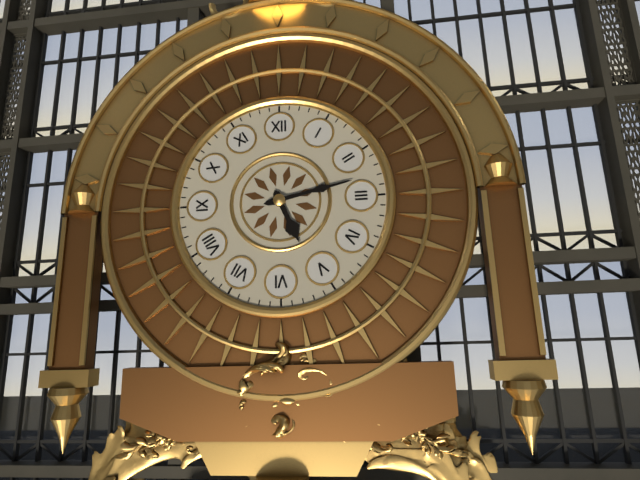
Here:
5,13
